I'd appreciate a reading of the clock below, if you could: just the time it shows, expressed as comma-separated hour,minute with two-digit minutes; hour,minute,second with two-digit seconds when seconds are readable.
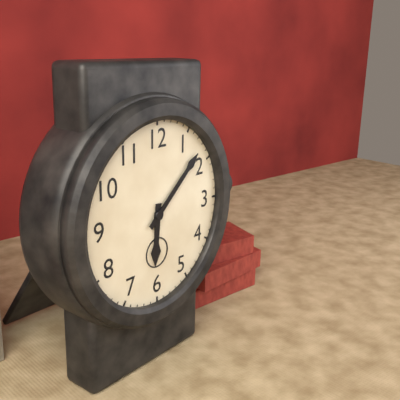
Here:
6,08
